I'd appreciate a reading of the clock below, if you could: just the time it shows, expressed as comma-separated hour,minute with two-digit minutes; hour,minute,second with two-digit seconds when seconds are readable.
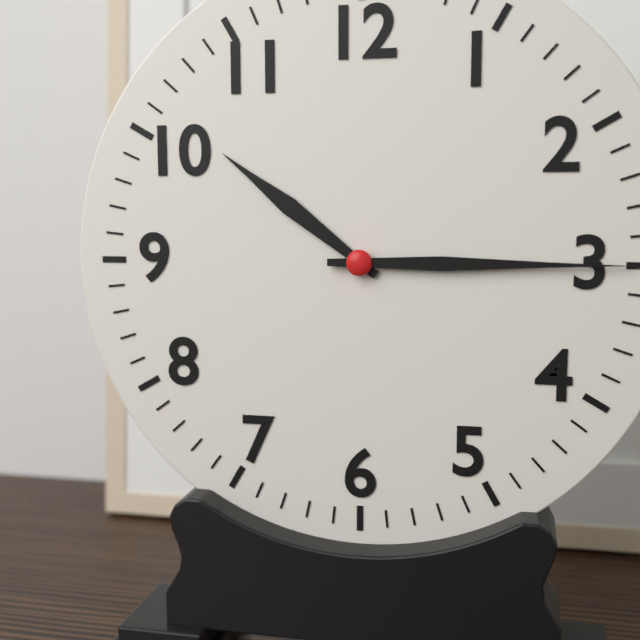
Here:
10,15
